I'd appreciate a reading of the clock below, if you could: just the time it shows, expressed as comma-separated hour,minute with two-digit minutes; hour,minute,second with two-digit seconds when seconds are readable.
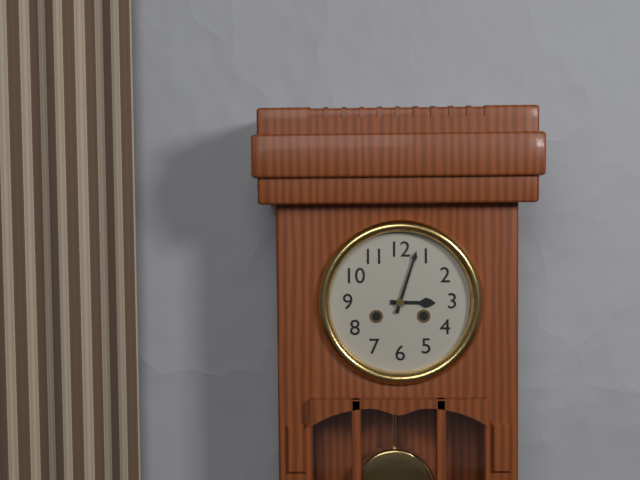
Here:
3,03
